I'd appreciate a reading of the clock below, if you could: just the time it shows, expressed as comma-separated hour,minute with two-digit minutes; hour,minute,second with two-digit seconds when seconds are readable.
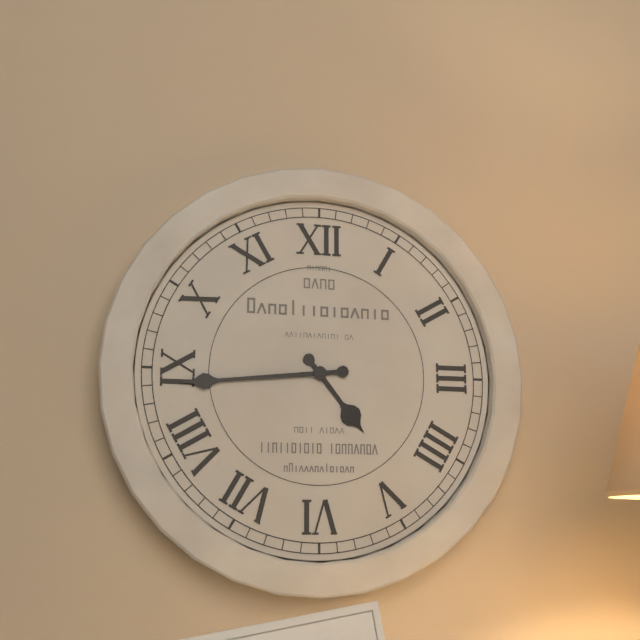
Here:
4,44
